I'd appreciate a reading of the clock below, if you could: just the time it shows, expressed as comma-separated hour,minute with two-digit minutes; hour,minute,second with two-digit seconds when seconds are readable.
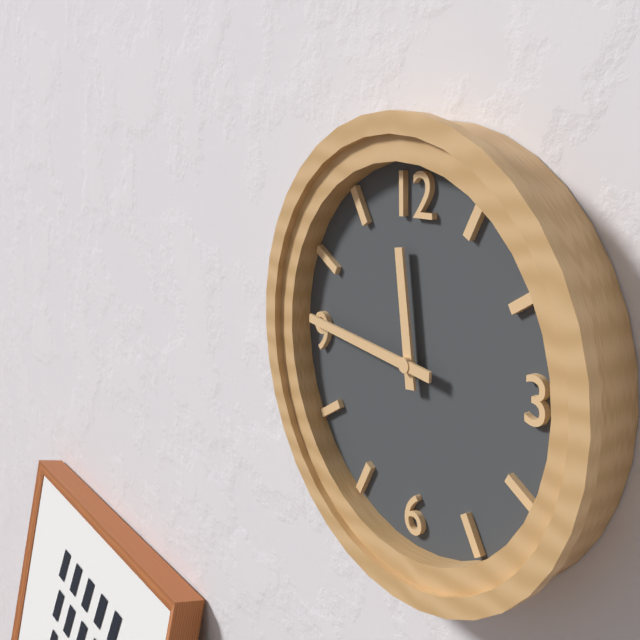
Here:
11,46
